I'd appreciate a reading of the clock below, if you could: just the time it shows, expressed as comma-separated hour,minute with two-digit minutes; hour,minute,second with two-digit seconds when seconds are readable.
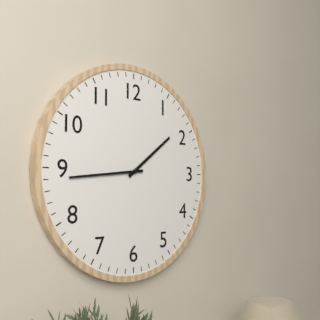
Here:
1,44
